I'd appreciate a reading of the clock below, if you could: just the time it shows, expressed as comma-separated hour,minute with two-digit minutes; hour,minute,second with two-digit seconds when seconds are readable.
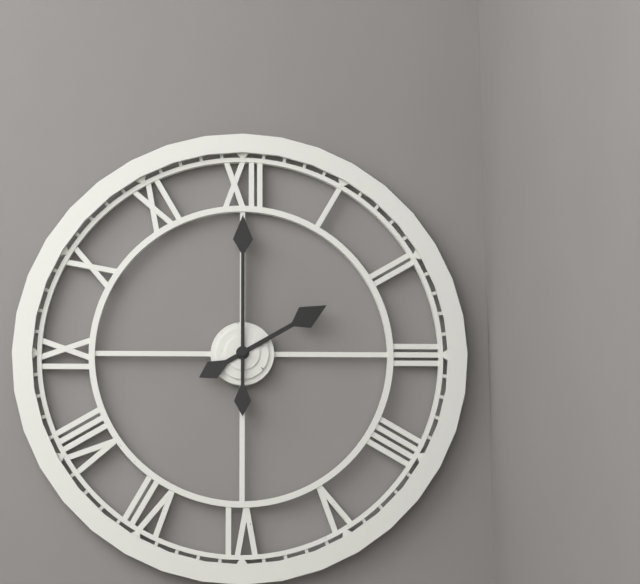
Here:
2,00
